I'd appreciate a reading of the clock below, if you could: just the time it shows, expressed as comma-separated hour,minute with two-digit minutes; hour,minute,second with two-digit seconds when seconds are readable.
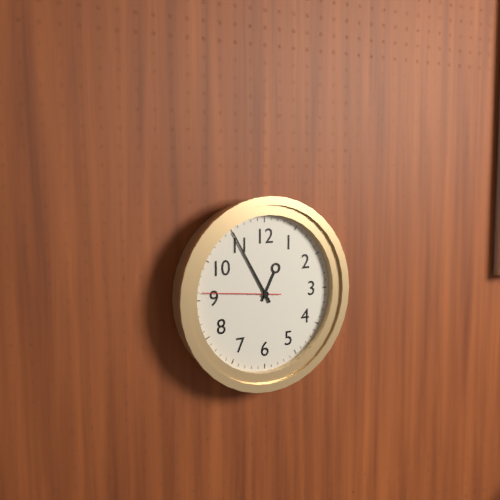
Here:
12,55,46
